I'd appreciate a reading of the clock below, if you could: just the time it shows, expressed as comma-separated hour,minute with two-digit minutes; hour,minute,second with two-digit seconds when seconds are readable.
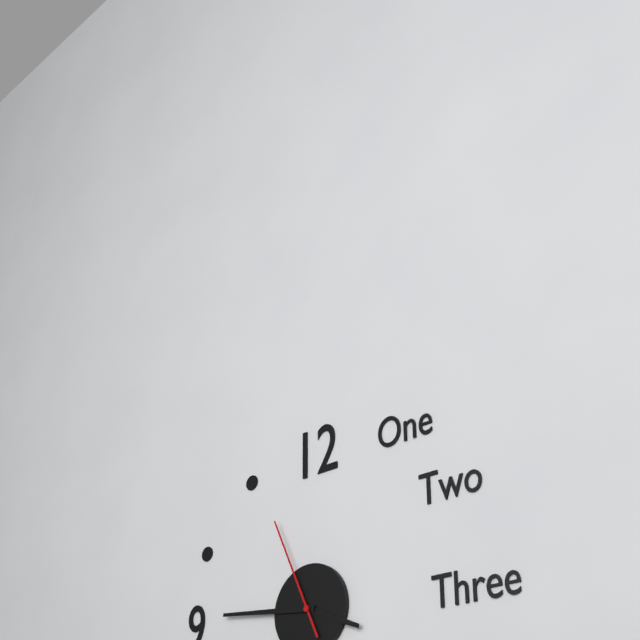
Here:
3,46,56
